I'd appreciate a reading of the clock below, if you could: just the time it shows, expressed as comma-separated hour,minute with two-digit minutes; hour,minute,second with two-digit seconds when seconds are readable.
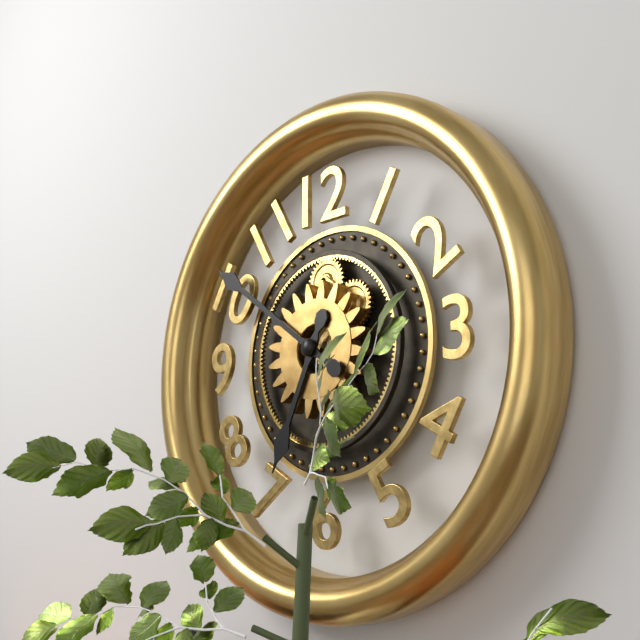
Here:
6,51
